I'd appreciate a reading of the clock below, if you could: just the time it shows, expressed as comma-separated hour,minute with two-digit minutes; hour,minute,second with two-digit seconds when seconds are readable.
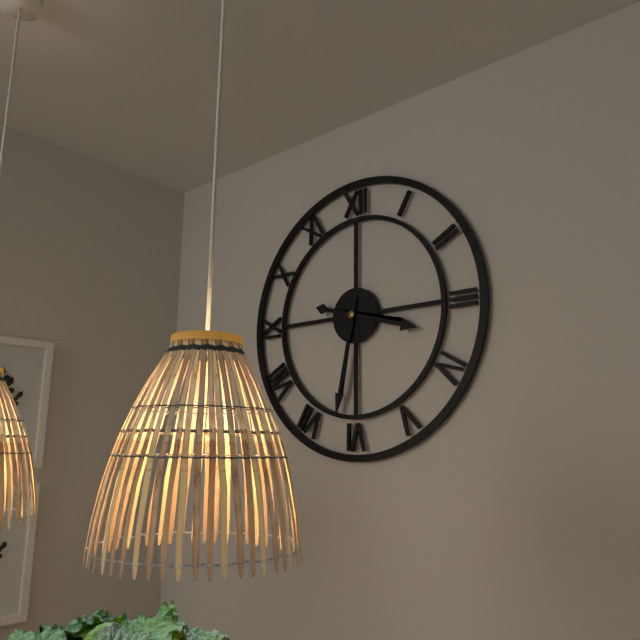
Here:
3,32
